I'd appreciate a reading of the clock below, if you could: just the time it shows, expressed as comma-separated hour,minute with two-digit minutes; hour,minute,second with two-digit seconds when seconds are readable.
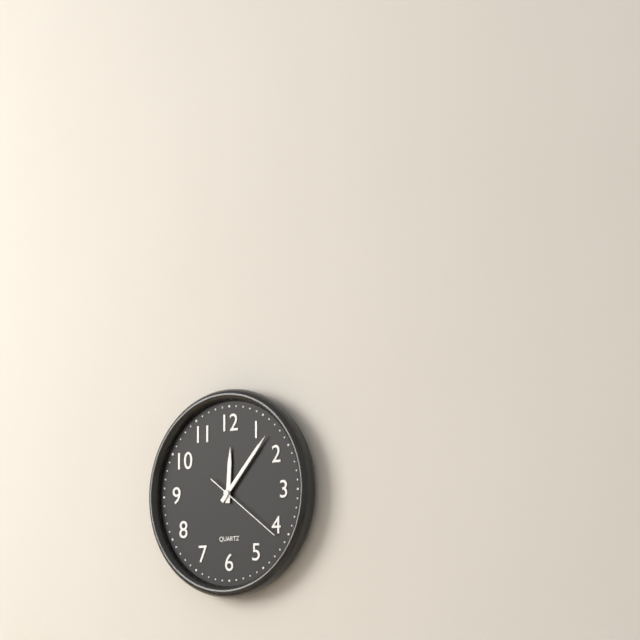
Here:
12,07,21
